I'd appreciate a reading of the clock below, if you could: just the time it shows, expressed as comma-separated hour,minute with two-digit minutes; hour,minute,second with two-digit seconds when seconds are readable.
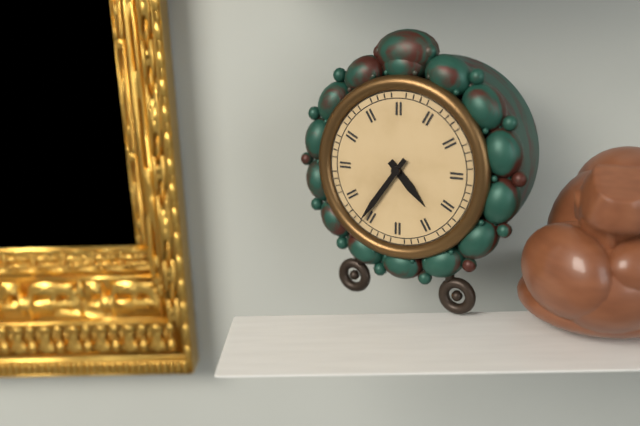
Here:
4,36
